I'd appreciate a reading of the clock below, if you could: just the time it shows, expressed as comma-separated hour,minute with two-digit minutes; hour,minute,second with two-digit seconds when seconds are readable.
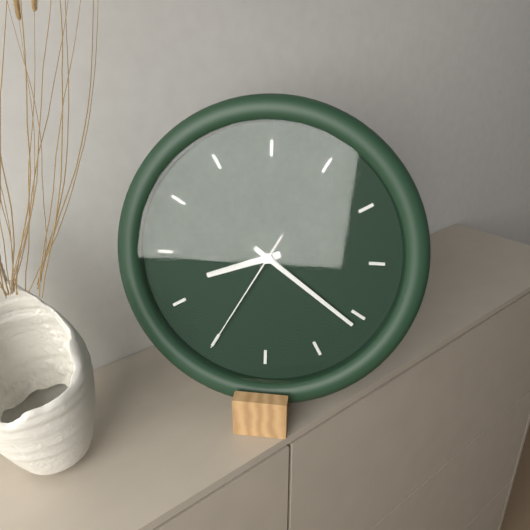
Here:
8,21,35
